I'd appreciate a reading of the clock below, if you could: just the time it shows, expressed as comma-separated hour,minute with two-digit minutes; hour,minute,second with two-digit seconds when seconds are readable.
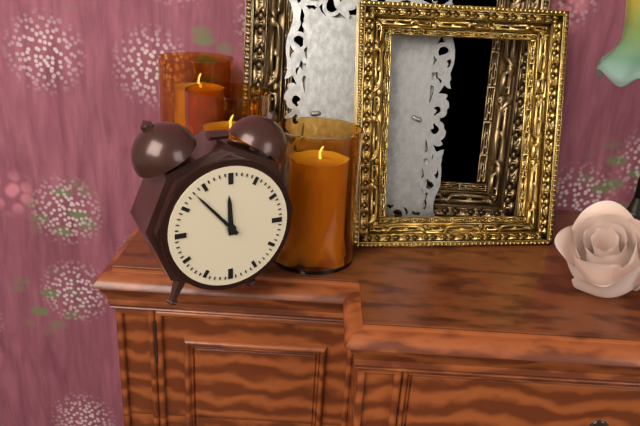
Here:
11,53
